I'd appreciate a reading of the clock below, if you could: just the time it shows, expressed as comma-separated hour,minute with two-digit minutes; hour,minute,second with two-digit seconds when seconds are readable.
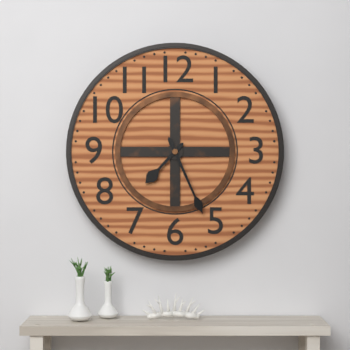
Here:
7,26
